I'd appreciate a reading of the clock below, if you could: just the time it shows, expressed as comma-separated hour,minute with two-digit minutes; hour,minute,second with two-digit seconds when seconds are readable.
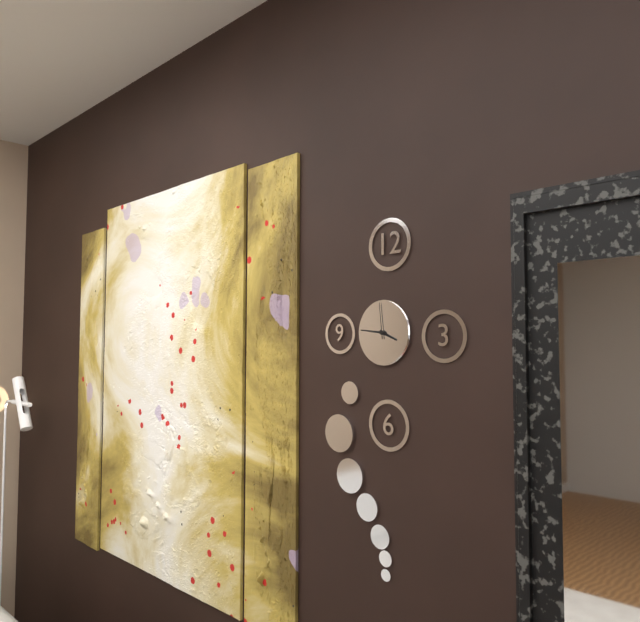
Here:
3,46
